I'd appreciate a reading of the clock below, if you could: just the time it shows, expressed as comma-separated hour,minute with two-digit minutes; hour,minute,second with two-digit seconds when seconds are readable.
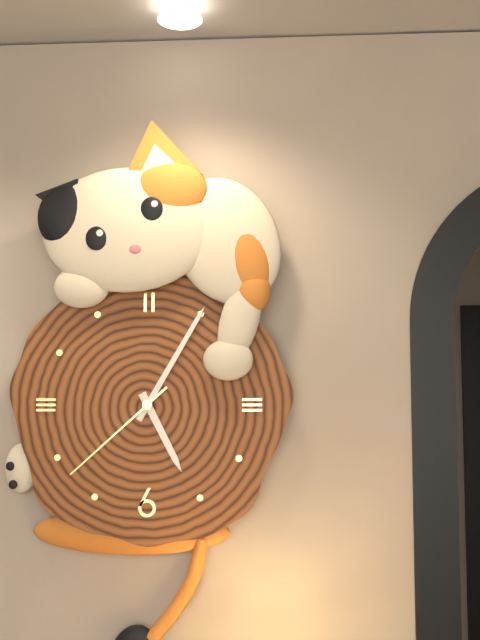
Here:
5,05,38
